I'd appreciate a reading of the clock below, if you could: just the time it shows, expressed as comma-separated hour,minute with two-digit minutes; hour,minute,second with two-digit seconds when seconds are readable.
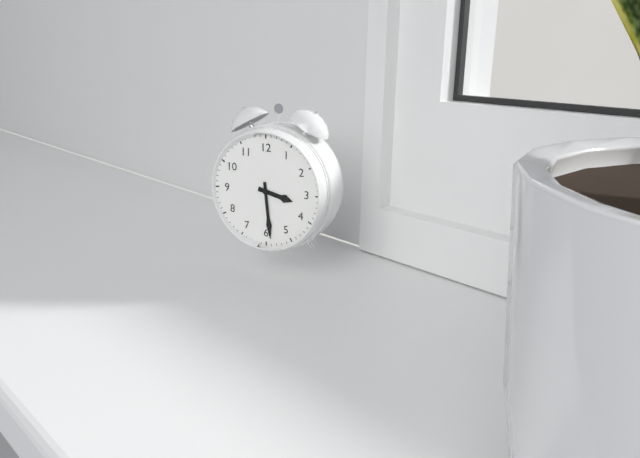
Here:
3,29
